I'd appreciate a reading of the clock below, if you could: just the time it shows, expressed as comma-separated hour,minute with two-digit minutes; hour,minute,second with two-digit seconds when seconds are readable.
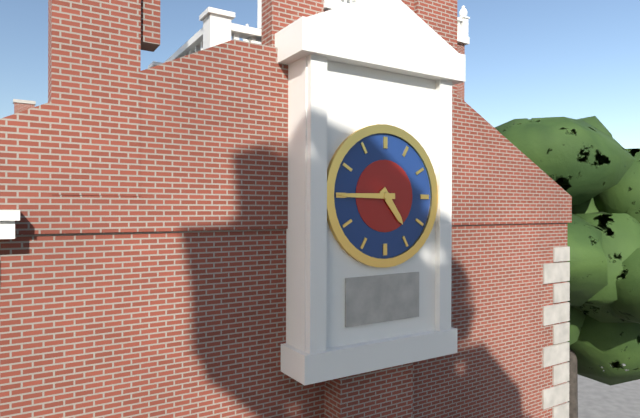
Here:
4,45
